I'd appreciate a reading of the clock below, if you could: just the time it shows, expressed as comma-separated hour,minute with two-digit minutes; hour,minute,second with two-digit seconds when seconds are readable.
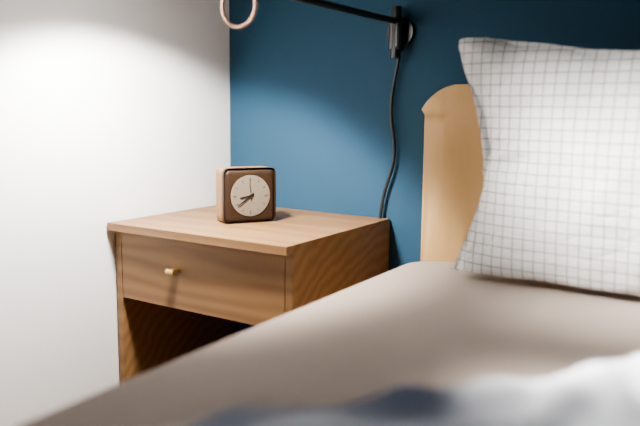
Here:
8,39
